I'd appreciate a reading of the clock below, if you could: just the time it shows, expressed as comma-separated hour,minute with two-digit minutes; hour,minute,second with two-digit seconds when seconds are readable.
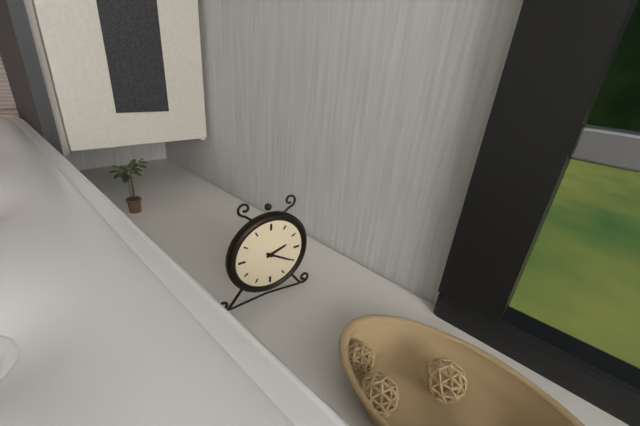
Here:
2,20
